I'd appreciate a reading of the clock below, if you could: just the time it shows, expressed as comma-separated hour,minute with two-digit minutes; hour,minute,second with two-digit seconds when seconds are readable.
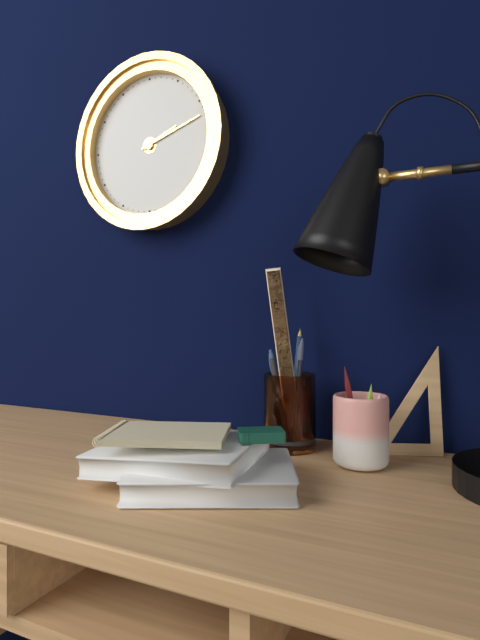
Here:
2,12
